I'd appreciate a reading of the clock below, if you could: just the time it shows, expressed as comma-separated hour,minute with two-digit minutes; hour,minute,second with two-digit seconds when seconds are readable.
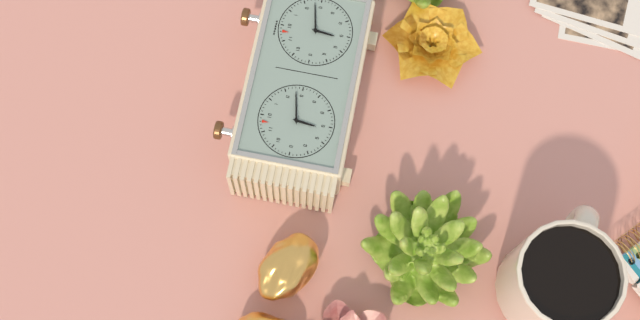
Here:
6,13
